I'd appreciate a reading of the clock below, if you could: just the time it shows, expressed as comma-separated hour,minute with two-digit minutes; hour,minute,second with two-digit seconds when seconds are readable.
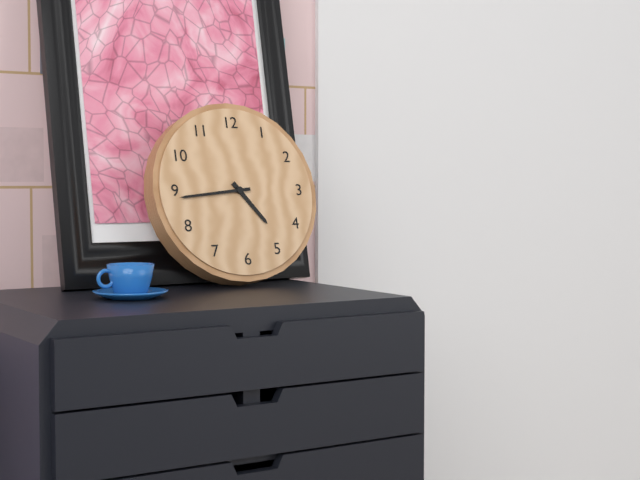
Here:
4,44
